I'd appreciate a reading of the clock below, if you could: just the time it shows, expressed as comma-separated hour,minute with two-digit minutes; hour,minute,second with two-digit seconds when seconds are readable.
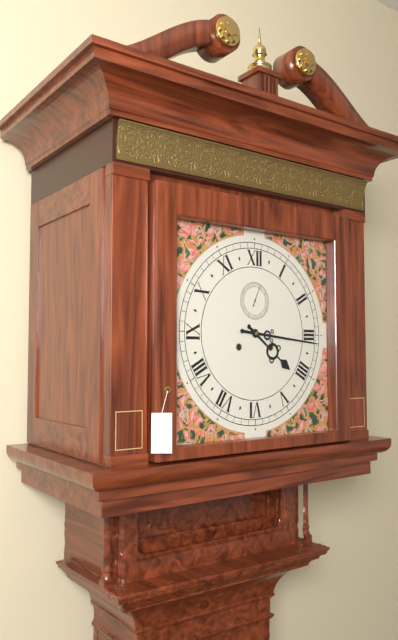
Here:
4,16
